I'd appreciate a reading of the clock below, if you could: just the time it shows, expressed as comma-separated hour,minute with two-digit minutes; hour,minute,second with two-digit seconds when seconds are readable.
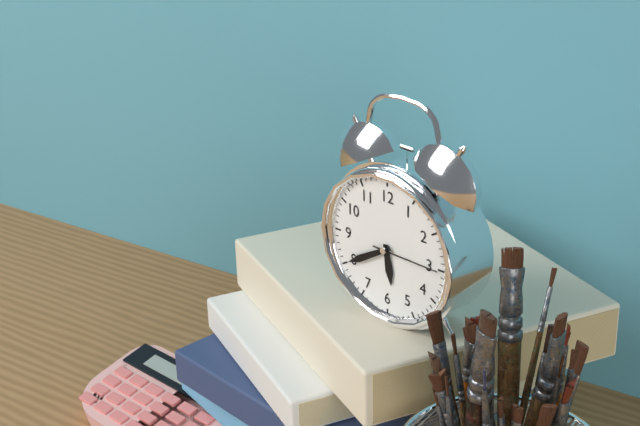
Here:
5,40,15
